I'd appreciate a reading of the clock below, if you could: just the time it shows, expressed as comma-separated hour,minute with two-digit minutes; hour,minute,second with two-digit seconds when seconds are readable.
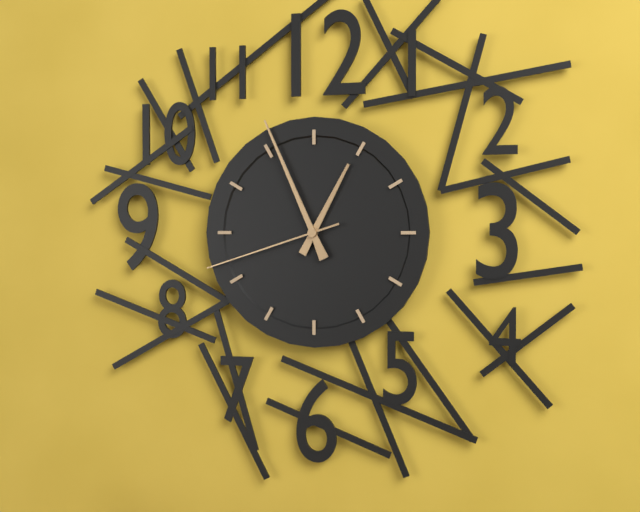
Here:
12,56,42
